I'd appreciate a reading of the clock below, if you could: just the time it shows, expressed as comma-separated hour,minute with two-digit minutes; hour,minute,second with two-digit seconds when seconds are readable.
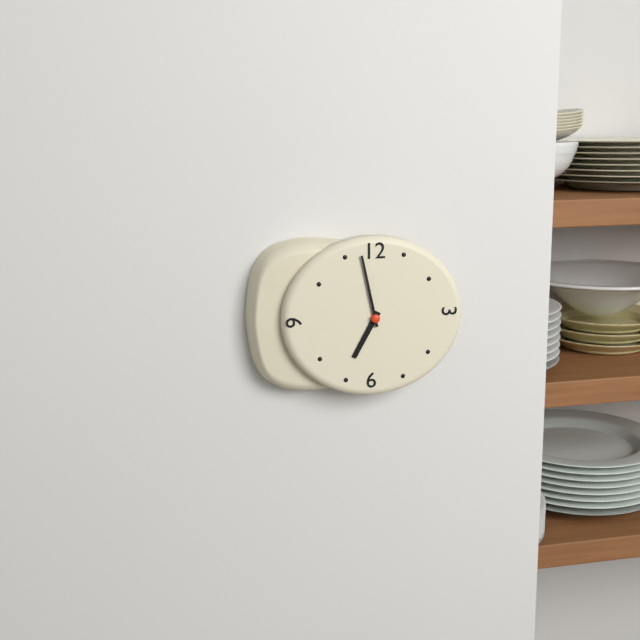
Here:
6,58
